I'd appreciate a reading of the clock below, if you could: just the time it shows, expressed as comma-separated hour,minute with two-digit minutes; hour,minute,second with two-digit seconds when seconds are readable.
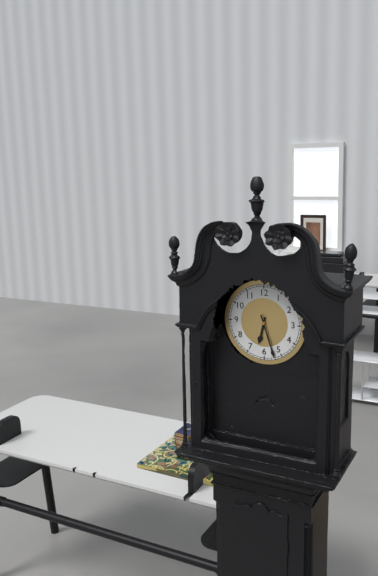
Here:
6,27
